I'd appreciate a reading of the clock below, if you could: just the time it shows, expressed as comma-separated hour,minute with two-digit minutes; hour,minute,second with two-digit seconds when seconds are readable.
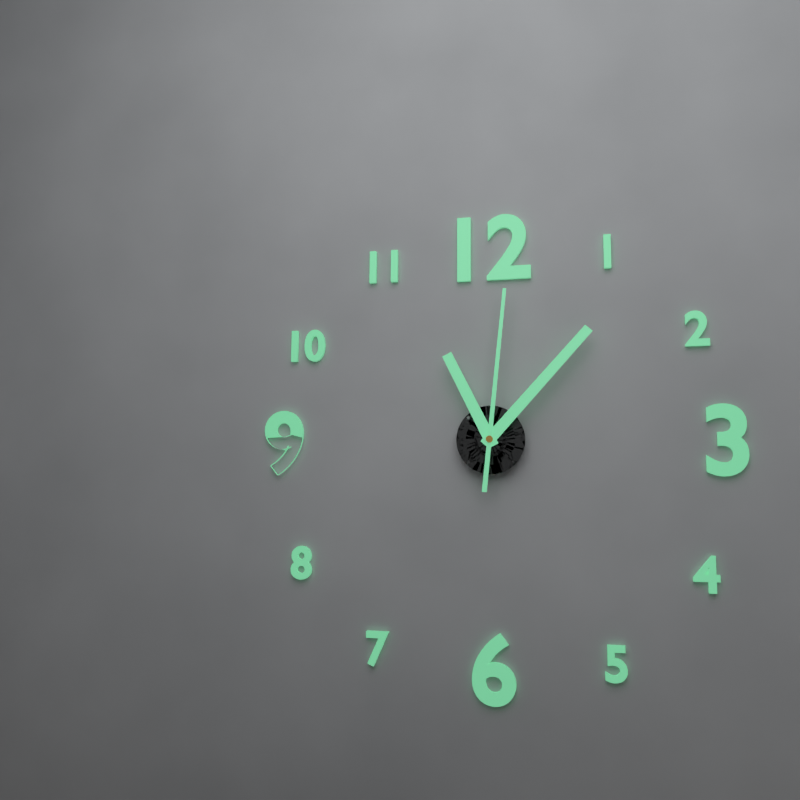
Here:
11,07,01
